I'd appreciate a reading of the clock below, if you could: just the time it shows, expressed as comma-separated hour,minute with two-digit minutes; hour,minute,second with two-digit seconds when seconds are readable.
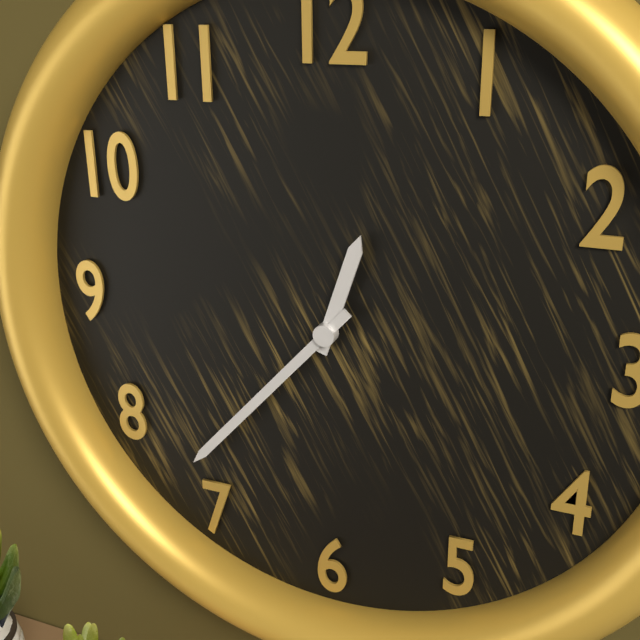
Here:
12,37
